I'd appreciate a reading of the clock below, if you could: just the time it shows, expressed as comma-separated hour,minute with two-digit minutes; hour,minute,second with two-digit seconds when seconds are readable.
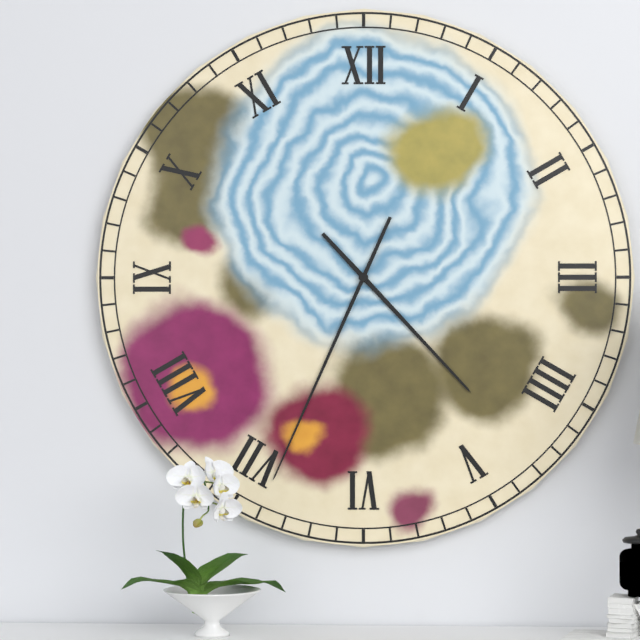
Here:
4,34
